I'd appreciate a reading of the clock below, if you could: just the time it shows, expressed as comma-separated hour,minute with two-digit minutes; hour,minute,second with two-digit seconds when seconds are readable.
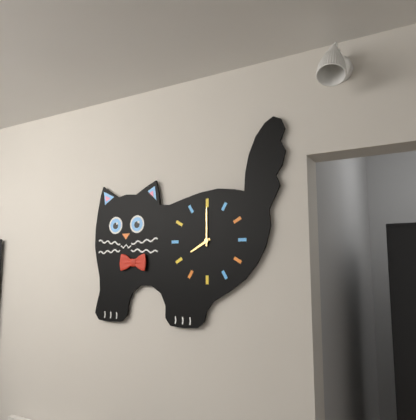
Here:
8,00
